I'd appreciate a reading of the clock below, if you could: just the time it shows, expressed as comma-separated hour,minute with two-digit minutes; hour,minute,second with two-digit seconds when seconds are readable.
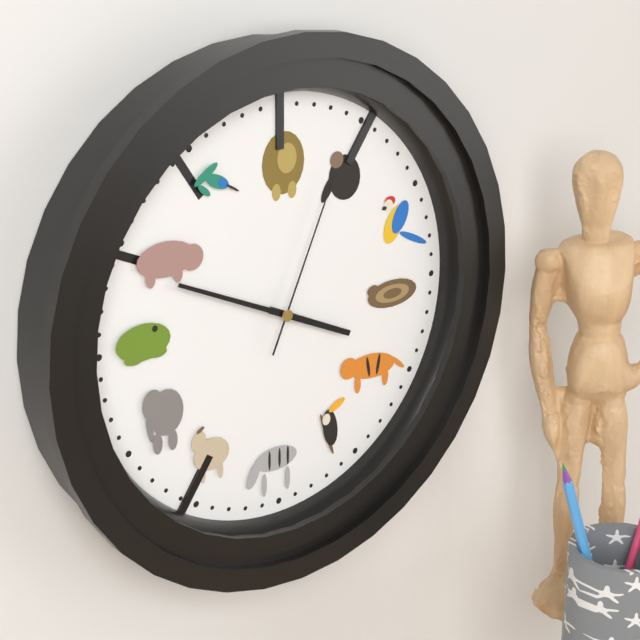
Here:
3,49,04
